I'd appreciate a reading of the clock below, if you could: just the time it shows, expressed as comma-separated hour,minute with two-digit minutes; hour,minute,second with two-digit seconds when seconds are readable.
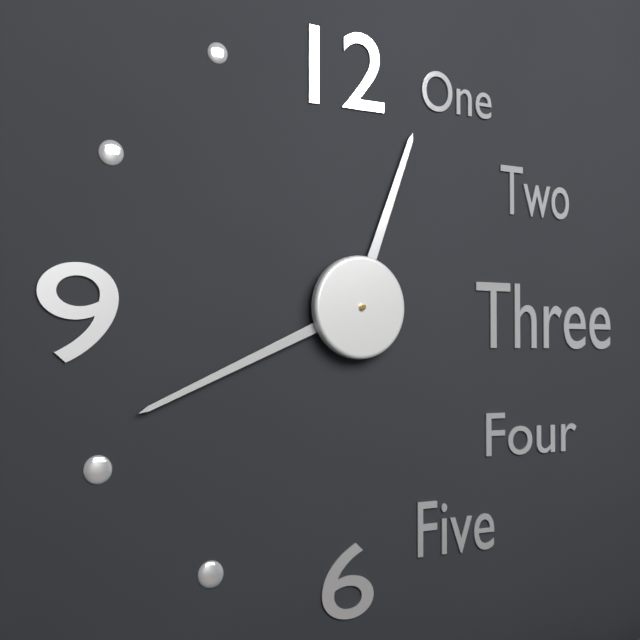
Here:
12,41
